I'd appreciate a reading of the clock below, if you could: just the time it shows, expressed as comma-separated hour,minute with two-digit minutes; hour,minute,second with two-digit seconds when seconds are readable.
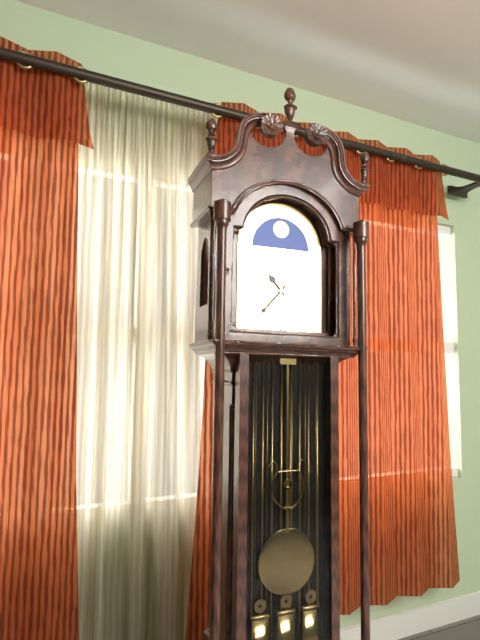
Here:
10,37
